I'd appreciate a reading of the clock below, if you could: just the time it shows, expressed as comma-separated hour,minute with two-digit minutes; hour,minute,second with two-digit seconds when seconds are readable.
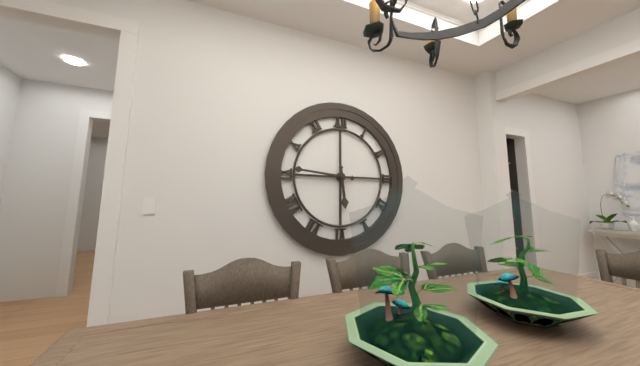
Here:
5,46
